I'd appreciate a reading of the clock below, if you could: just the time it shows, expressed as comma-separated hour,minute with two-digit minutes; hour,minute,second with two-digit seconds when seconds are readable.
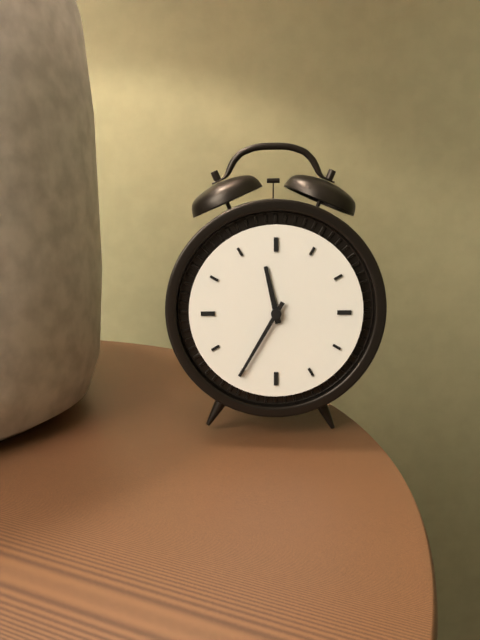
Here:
11,35
